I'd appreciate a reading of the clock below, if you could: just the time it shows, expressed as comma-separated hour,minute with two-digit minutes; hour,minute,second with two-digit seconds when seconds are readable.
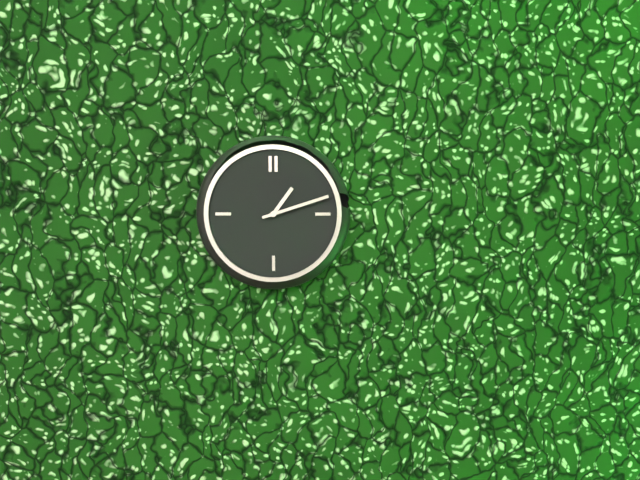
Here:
1,12
